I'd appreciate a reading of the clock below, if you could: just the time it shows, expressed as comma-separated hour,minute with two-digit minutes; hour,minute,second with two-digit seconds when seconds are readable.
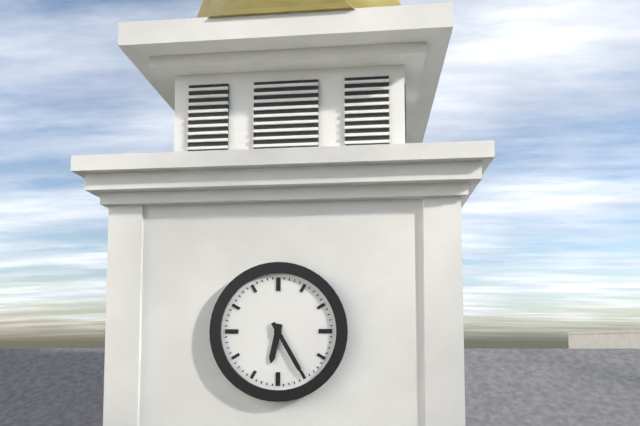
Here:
6,25
